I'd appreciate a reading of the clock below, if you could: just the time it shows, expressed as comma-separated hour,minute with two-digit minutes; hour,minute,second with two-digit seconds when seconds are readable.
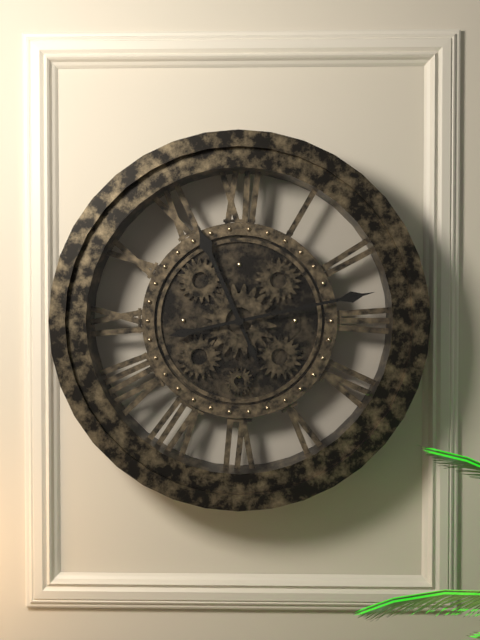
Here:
11,13
